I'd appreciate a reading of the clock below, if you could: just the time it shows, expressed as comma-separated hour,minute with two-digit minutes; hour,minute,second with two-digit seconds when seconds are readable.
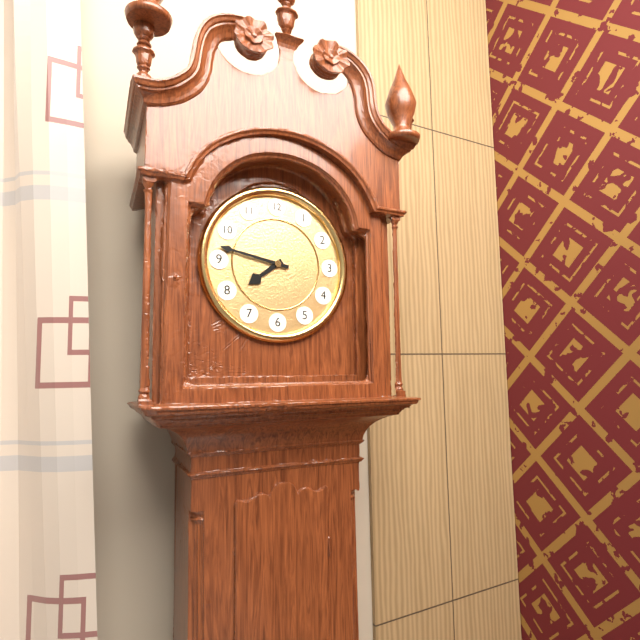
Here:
7,47
